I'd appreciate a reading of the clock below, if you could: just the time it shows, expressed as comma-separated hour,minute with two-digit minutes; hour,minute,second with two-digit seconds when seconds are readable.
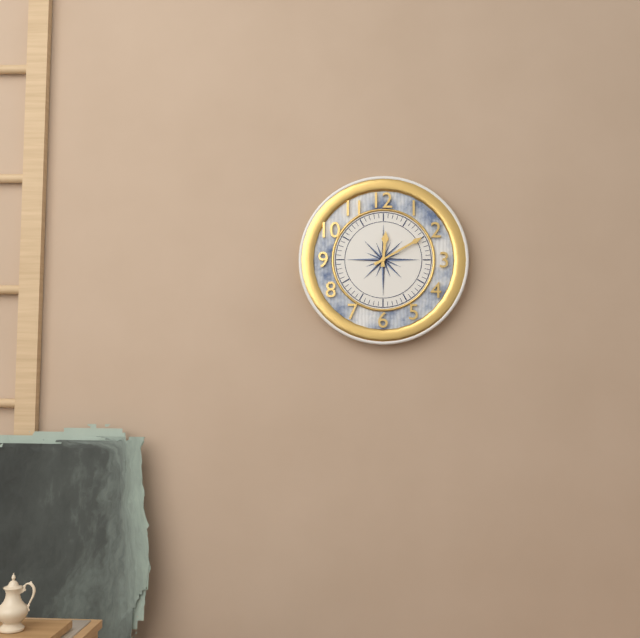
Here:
12,10
